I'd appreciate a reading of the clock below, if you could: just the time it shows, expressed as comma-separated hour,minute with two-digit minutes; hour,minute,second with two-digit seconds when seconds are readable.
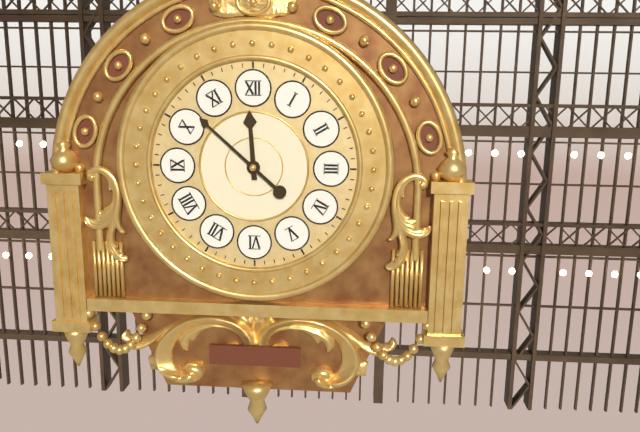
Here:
11,52
